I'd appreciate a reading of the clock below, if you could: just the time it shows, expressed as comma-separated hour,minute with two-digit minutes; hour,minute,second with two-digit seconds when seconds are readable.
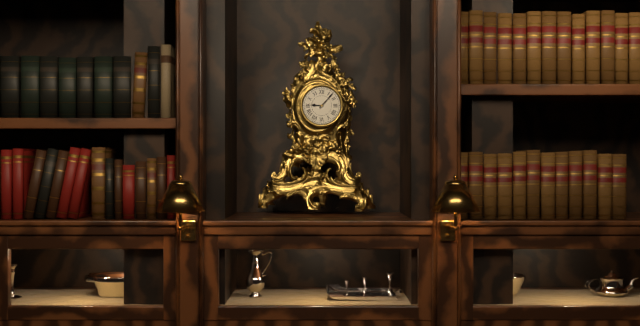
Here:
9,07
